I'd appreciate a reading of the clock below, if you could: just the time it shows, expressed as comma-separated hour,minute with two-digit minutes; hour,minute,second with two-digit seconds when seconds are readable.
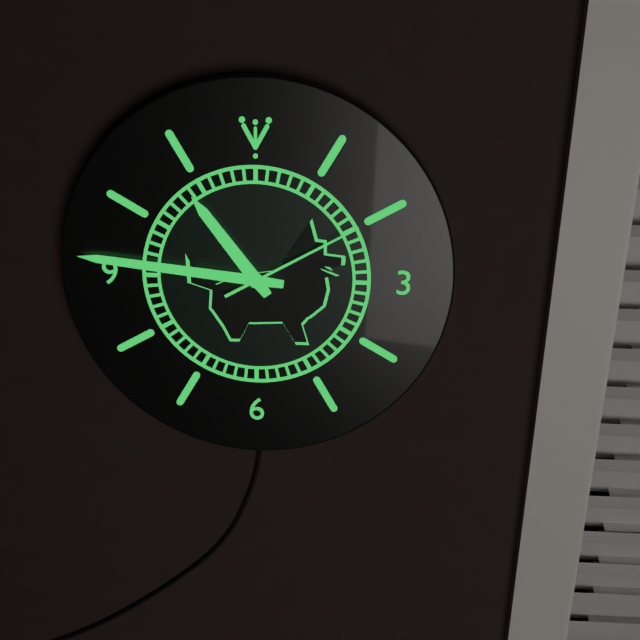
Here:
10,46,10
